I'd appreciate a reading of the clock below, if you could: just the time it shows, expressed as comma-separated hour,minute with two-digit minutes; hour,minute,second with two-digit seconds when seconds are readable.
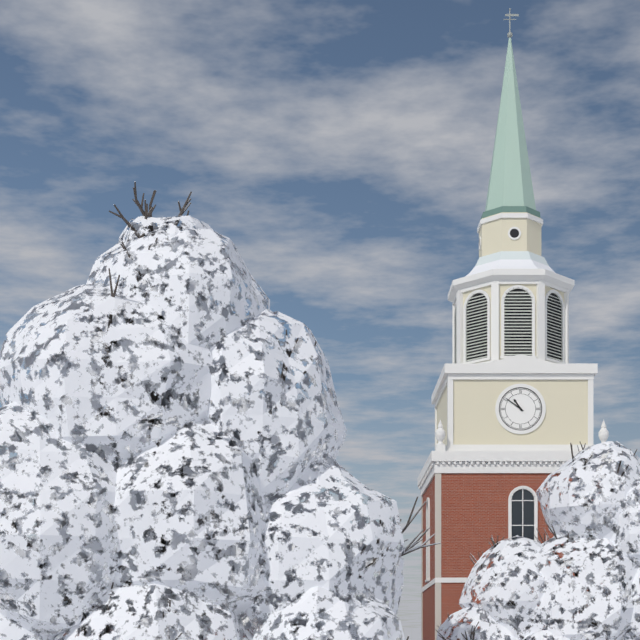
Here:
10,51
